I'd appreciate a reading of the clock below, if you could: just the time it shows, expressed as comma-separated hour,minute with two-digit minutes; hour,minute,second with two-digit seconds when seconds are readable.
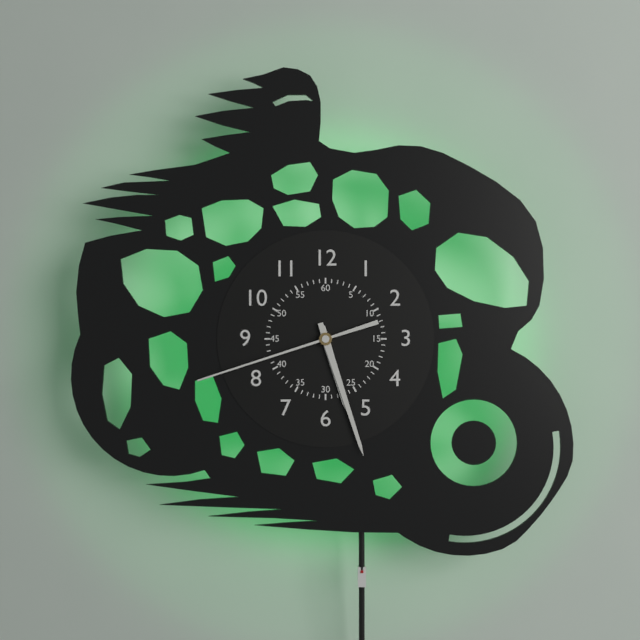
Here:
5,27,42
